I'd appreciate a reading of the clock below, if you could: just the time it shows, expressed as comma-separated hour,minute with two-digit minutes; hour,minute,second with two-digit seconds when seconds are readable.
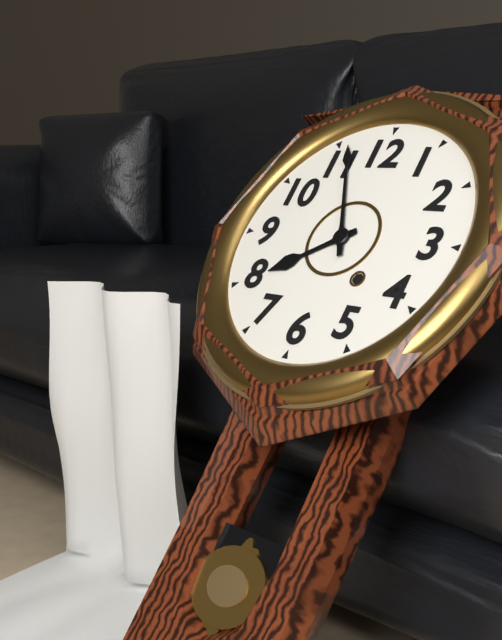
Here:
7,56
